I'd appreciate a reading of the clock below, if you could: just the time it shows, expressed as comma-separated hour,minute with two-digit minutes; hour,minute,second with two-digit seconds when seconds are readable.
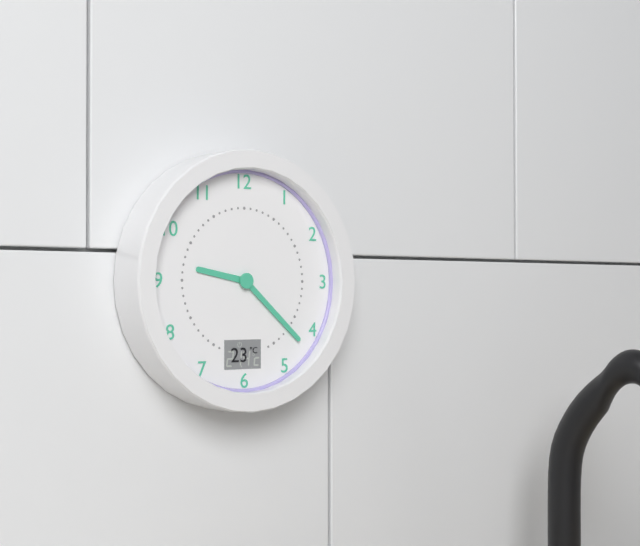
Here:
9,22
